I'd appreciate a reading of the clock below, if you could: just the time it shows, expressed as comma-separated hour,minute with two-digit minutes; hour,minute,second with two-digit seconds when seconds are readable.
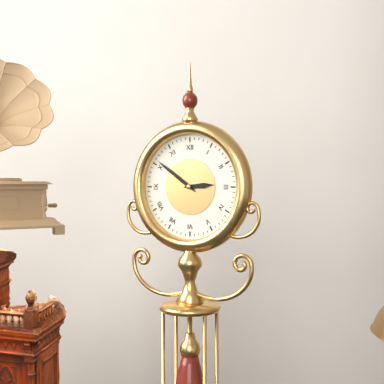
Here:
2,51
